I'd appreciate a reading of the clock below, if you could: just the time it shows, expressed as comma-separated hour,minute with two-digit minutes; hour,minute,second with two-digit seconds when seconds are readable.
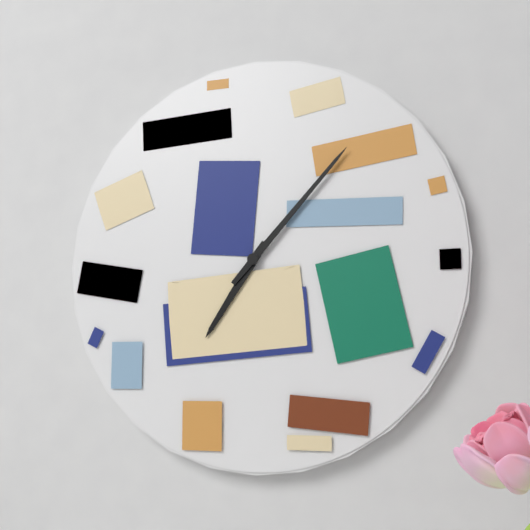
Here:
7,07
